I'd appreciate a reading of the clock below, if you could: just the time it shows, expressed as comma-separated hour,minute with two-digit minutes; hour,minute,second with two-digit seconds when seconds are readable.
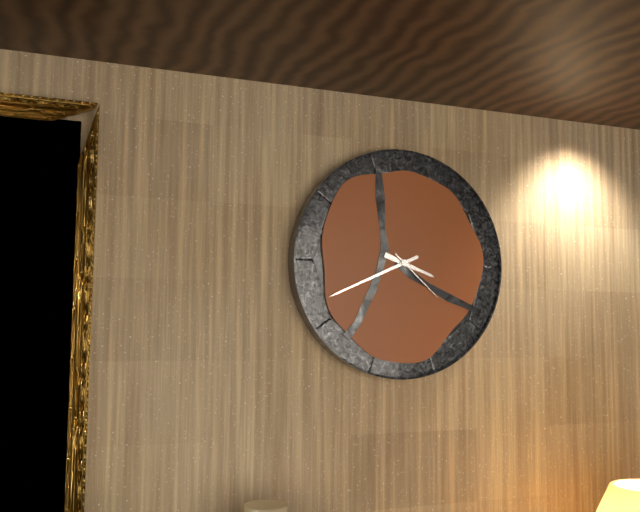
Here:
3,41,22
